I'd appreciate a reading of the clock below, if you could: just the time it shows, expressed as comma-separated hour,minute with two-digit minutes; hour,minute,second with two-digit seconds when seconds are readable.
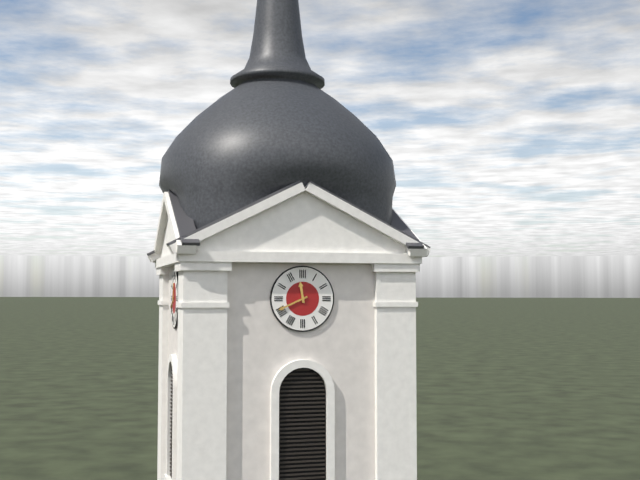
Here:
11,41
